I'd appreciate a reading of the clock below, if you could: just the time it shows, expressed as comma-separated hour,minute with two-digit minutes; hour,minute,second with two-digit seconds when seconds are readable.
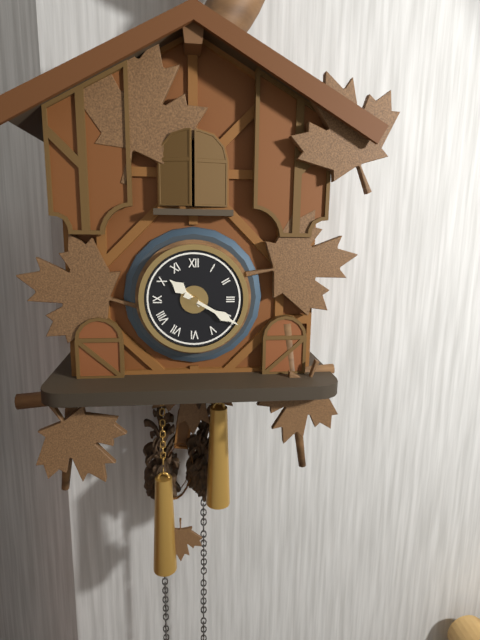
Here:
10,20
